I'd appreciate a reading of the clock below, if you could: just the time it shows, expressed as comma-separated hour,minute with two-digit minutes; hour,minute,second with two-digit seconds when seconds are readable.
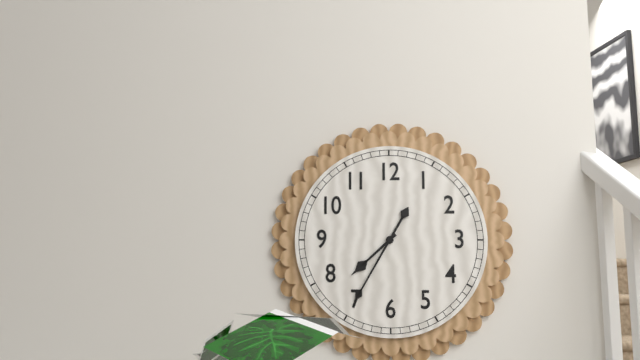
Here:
7,35
